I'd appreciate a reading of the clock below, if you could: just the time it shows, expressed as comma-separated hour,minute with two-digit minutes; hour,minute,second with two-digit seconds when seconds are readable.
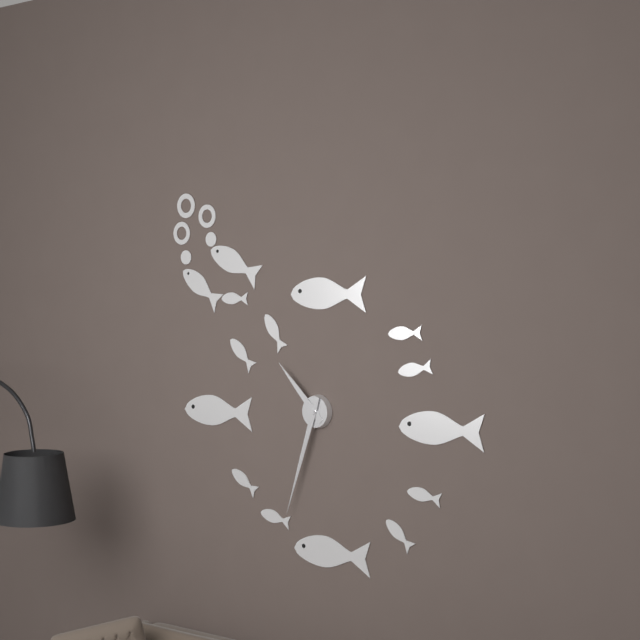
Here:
10,33
